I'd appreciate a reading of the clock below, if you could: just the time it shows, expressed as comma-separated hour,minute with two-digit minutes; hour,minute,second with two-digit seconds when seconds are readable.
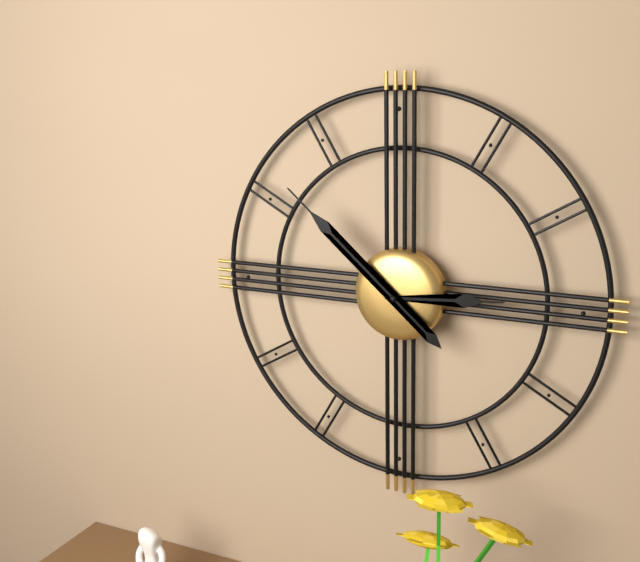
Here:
2,52
